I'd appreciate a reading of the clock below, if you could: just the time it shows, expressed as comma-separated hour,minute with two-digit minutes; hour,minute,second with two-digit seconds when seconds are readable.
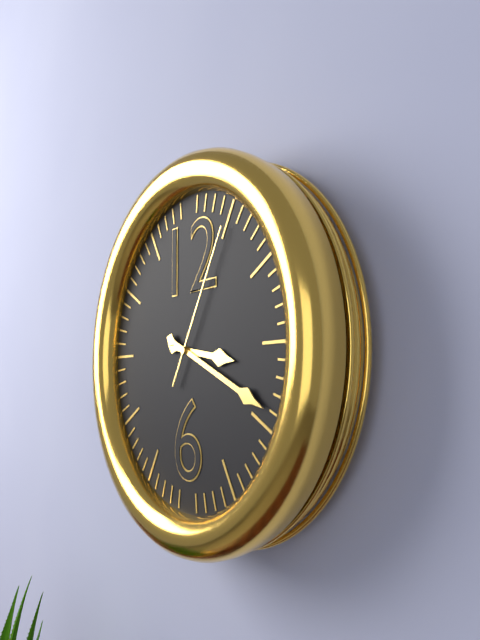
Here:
3,19,05
